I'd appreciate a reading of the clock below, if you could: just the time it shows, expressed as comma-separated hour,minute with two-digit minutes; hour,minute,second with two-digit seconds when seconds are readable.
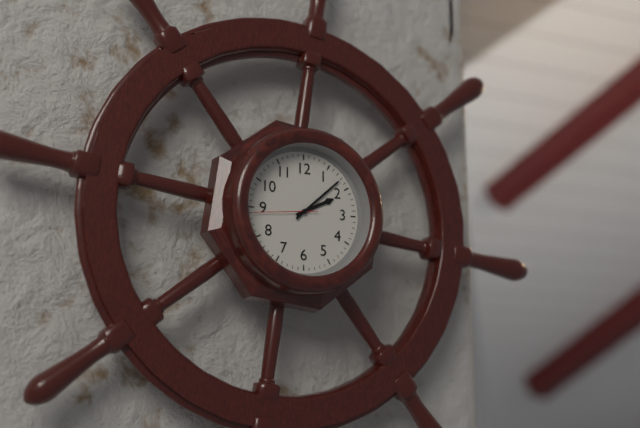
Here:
2,08,44
